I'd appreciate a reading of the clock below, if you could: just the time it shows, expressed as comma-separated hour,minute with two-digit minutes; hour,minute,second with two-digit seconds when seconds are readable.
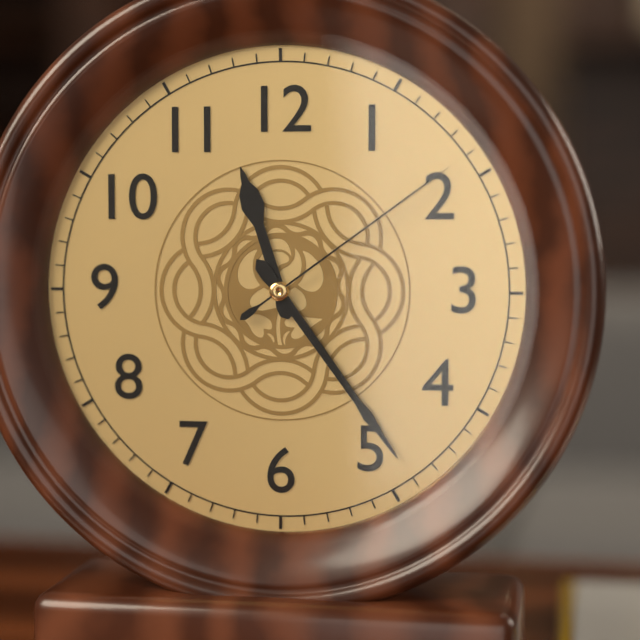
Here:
11,24,09
